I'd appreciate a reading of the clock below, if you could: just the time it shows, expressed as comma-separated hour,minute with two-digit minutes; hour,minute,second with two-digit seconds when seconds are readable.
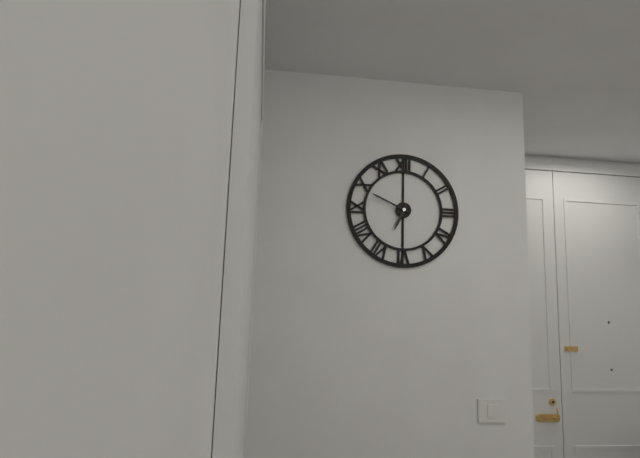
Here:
6,49
